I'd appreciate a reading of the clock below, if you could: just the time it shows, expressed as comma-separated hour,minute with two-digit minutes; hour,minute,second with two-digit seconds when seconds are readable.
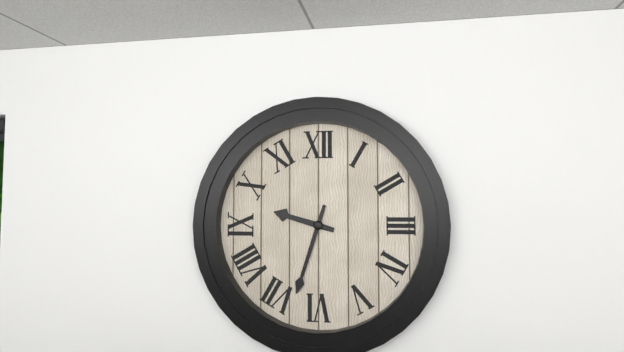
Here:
9,33
